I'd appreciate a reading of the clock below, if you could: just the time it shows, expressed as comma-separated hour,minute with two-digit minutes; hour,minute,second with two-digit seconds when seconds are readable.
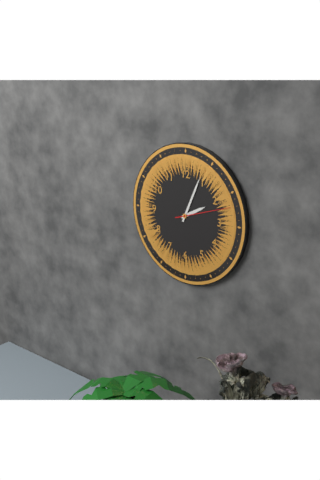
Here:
2,04,12
